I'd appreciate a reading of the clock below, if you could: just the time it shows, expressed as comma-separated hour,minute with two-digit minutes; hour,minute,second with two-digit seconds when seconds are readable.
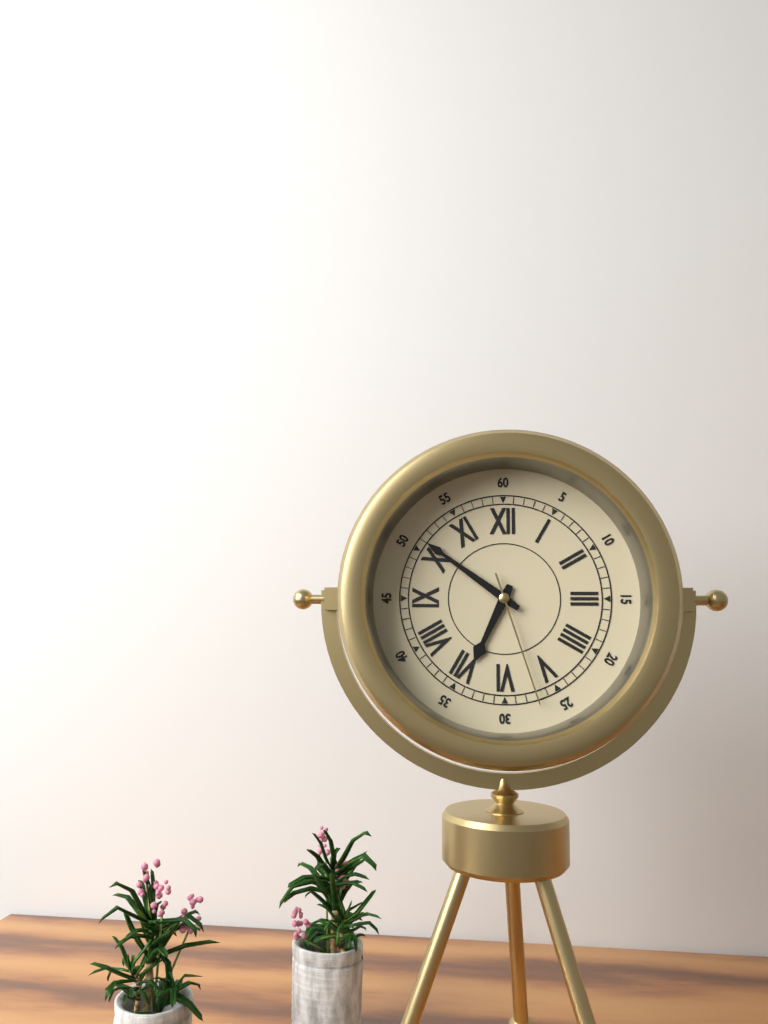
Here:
6,51,27
